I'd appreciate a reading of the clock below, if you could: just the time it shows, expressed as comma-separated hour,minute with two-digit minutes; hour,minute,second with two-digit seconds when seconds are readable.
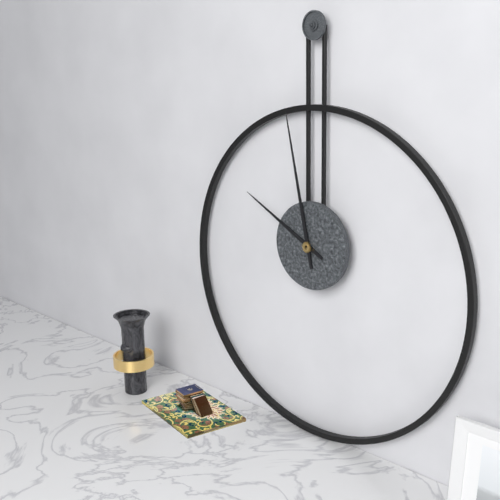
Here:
9,58
